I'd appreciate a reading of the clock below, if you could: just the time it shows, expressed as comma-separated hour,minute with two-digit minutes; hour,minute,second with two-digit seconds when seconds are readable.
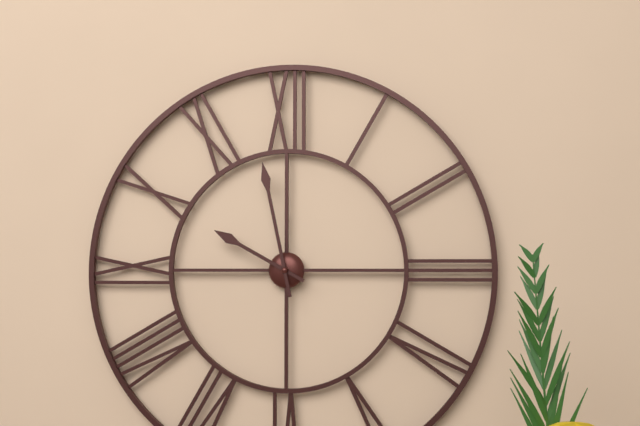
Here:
9,58
